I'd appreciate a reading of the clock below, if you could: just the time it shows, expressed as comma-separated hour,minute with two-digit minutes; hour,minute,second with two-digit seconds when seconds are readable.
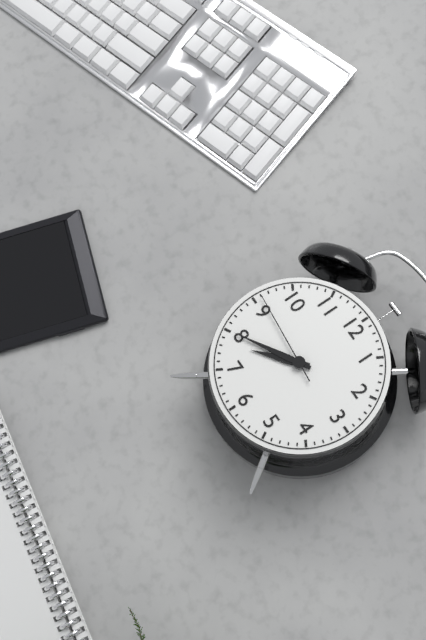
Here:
7,40,46
